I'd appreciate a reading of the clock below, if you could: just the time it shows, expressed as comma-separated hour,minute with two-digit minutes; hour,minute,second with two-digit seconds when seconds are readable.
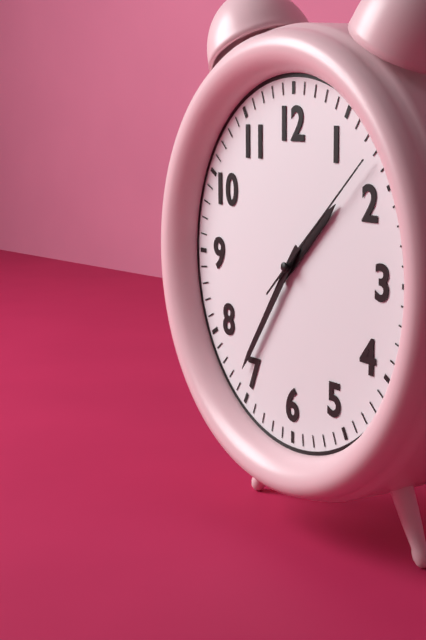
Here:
1,36,08
